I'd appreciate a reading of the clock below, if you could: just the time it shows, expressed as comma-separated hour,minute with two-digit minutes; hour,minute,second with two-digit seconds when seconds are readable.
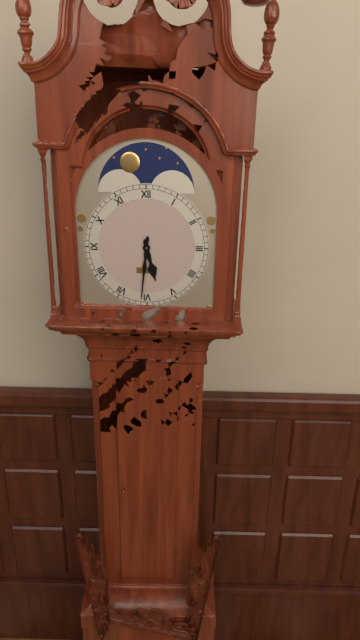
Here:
5,31
